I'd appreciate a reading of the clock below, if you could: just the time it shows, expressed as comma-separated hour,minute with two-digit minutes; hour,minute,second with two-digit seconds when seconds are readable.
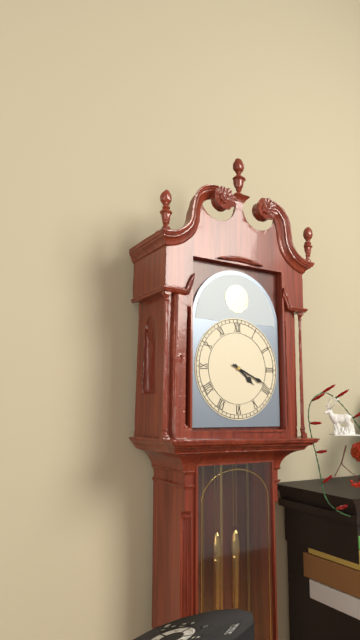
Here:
4,19
